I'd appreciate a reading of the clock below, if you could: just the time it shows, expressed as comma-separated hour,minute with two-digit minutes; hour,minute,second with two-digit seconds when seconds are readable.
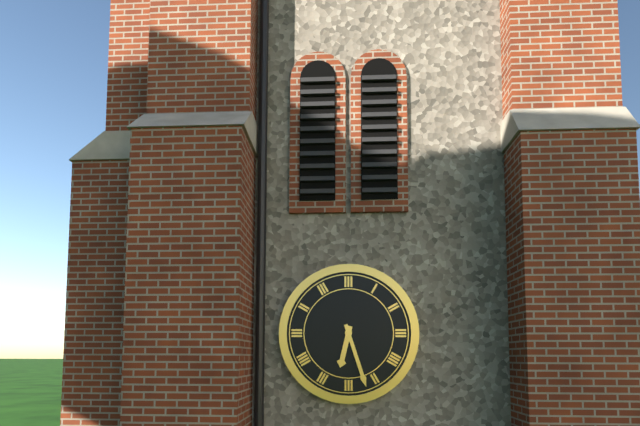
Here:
6,27
